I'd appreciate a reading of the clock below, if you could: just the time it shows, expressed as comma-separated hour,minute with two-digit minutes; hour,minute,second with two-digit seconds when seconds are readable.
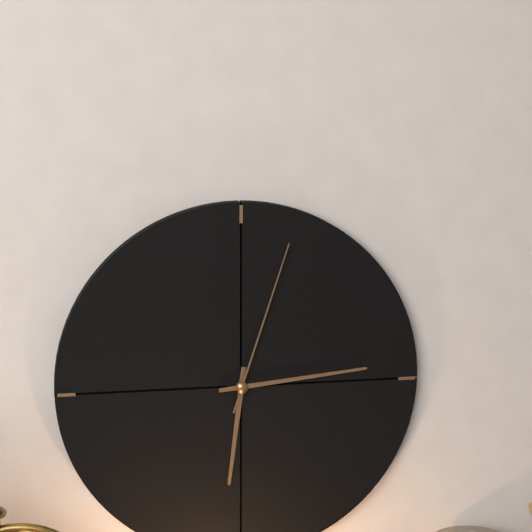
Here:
6,14,03
